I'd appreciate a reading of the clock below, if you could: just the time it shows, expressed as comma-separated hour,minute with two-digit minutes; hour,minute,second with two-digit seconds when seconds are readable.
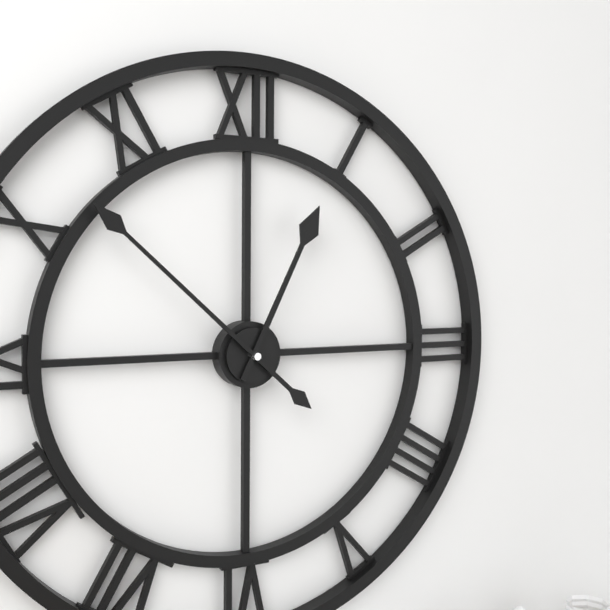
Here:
12,52
